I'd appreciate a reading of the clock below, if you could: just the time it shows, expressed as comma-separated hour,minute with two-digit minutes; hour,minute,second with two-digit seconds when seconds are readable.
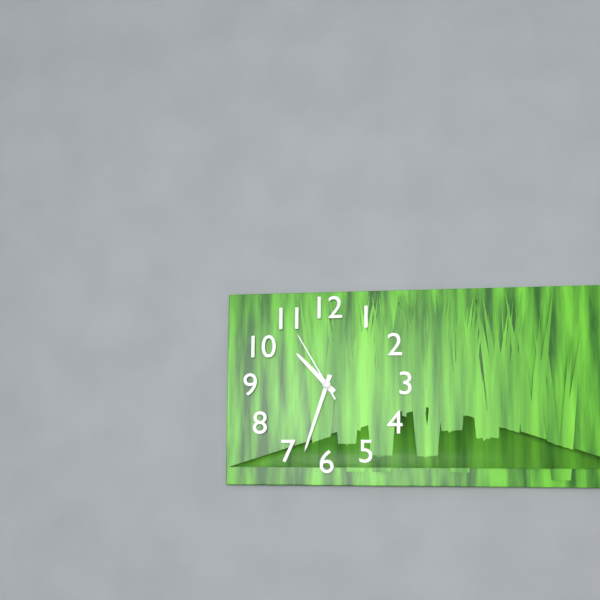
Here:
10,33,55
